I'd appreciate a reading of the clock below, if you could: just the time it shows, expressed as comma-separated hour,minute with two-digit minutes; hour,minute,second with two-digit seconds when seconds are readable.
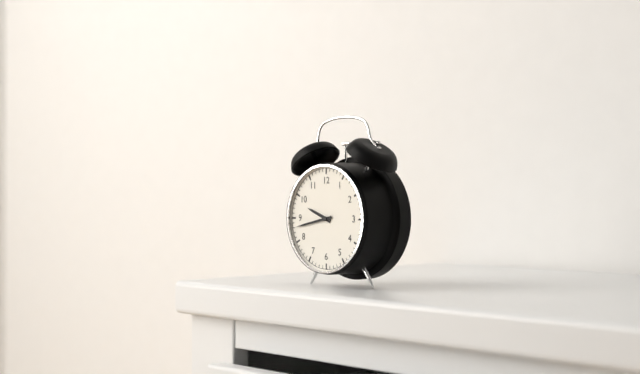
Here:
9,43
